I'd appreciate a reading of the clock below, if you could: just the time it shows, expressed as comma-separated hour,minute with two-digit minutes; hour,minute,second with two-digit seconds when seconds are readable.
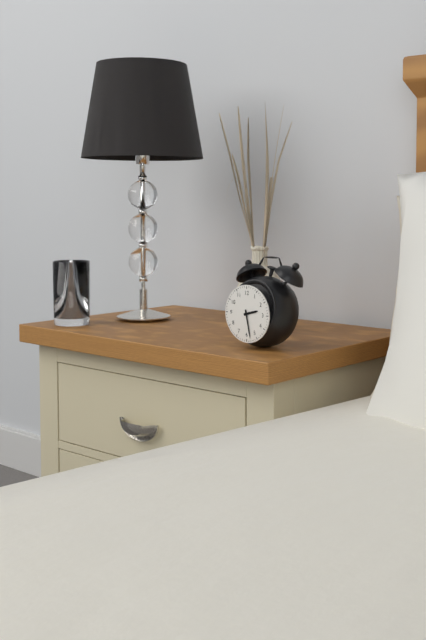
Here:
2,28
